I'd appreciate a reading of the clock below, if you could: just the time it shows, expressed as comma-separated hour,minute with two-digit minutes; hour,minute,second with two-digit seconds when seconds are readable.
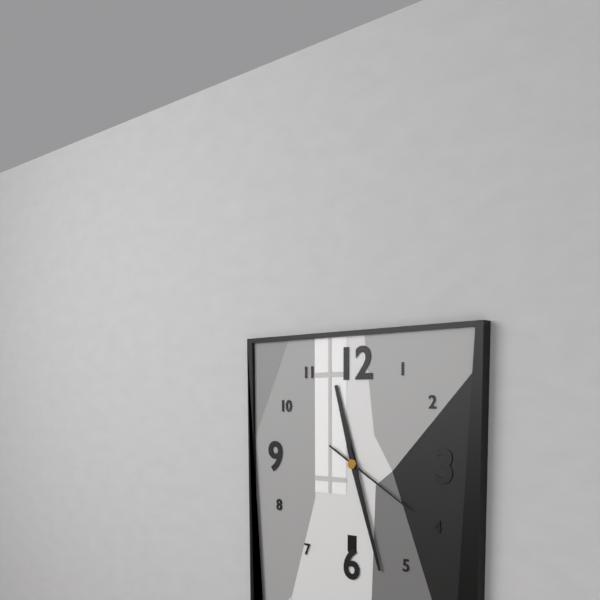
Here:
11,27,20
